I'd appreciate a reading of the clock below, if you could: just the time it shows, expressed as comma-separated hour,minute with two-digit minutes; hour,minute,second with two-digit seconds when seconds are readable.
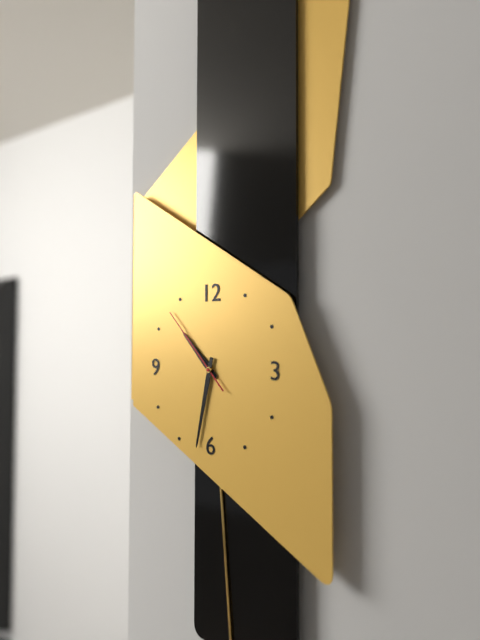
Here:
10,32,53
